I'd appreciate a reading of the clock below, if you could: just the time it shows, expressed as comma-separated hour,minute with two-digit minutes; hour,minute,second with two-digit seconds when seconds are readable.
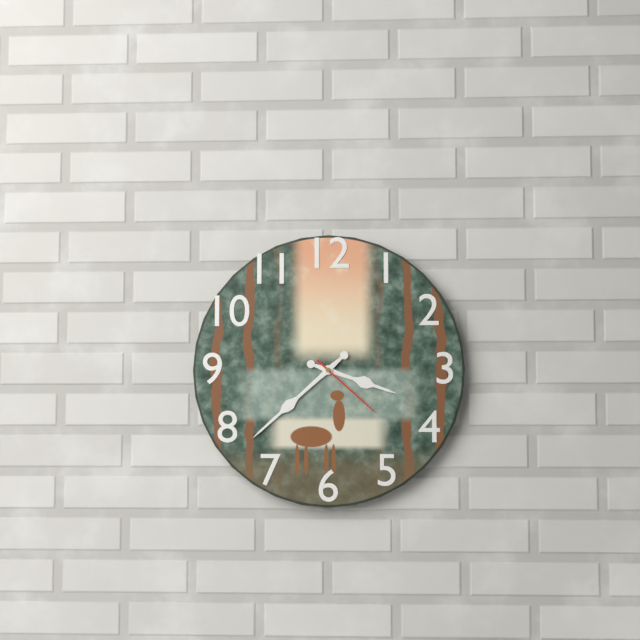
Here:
3,38,22
